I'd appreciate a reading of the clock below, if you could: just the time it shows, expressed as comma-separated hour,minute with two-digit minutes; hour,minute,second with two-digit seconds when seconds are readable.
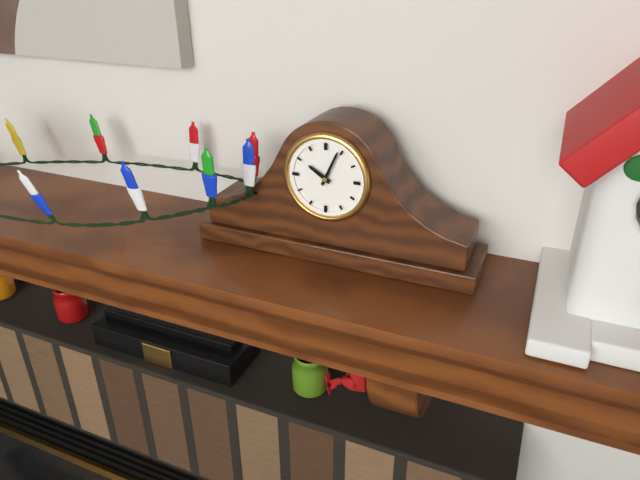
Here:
10,04
